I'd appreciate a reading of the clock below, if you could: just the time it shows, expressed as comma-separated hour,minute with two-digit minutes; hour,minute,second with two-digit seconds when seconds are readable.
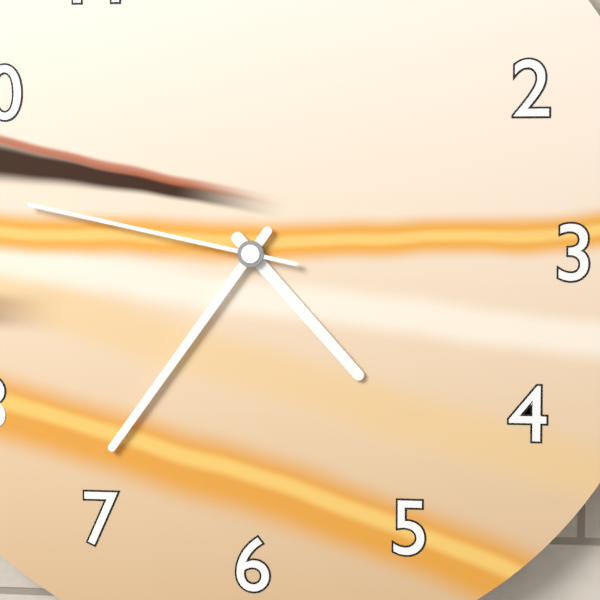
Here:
4,36,47
